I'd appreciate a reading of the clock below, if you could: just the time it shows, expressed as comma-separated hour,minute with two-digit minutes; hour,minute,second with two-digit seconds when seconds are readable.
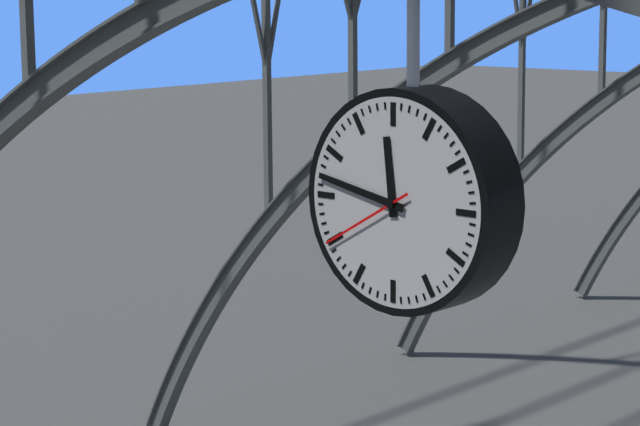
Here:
11,47,40
